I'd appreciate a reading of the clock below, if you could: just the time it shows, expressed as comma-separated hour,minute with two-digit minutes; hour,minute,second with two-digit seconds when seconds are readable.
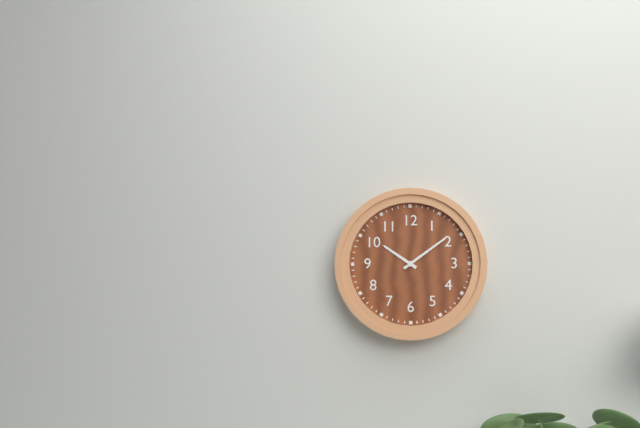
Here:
10,09
